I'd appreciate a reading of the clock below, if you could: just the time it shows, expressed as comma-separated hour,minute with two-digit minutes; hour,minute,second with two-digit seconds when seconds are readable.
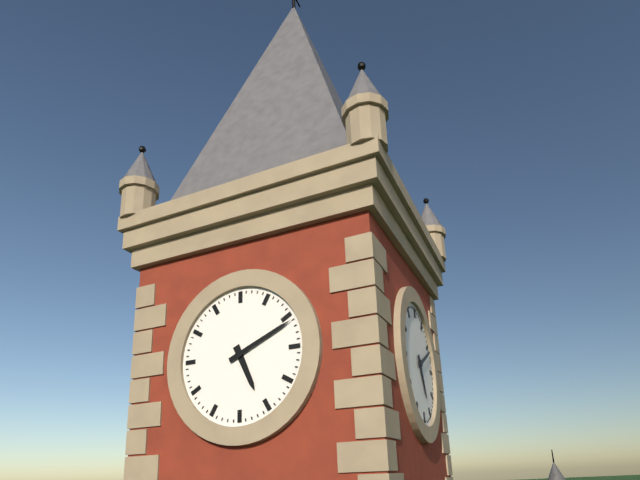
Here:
5,11
